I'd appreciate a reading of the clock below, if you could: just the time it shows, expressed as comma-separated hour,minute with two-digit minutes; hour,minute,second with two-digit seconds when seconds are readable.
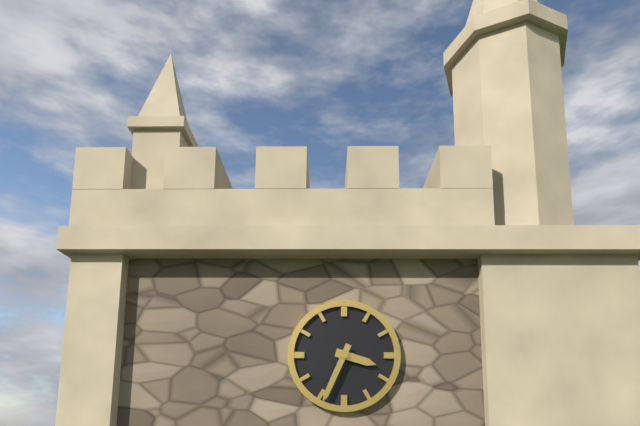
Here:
3,34
